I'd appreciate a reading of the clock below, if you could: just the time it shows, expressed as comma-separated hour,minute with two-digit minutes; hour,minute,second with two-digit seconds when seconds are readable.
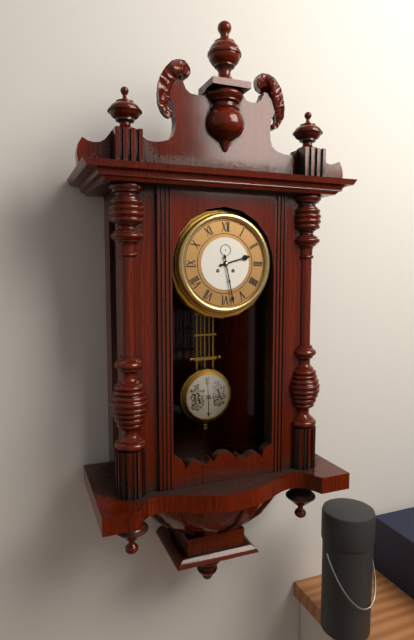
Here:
2,28
